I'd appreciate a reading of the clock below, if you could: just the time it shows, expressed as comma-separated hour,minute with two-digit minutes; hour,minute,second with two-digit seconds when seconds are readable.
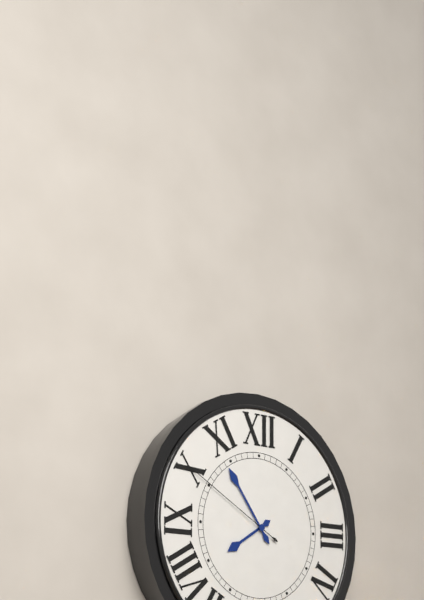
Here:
7,54,50
